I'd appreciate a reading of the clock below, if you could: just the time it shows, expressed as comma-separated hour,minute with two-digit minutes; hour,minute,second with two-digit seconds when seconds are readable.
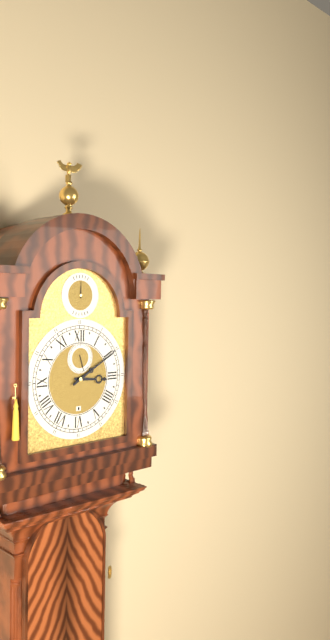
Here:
3,10
